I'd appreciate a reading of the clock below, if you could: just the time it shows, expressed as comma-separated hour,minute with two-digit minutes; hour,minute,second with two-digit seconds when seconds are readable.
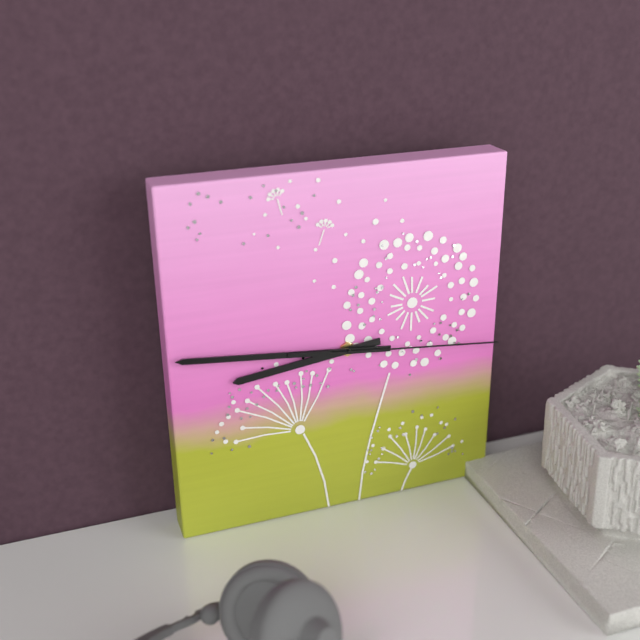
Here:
8,46,16
